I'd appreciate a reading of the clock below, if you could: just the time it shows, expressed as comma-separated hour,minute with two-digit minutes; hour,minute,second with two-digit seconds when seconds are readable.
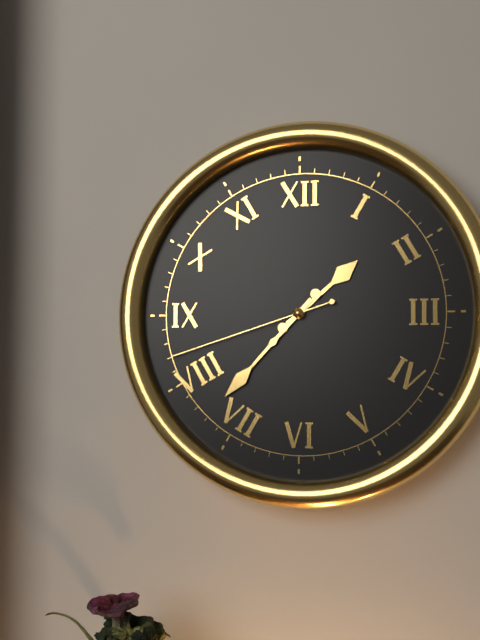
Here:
1,37,42
